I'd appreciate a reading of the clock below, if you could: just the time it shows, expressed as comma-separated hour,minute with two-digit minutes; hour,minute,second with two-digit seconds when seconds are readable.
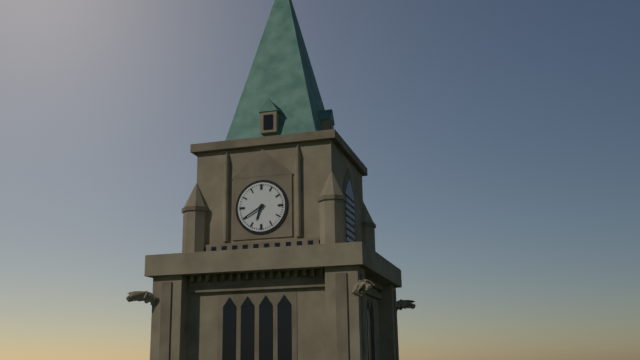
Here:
6,40
